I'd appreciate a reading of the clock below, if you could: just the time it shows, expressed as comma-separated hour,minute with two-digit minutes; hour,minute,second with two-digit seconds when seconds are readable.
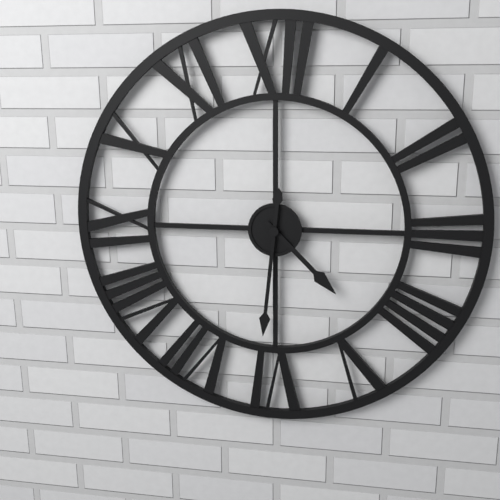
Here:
4,31
